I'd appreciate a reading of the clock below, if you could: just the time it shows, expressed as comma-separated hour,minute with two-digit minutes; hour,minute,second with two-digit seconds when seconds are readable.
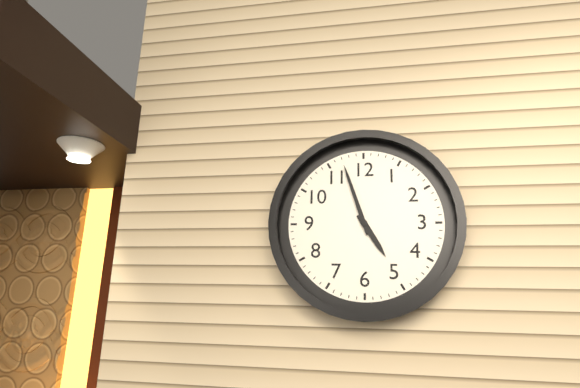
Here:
4,57
